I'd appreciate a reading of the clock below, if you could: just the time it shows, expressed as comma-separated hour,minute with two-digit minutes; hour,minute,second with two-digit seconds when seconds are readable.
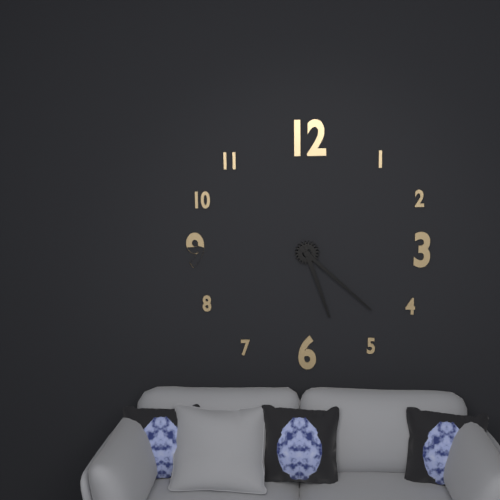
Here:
5,22
